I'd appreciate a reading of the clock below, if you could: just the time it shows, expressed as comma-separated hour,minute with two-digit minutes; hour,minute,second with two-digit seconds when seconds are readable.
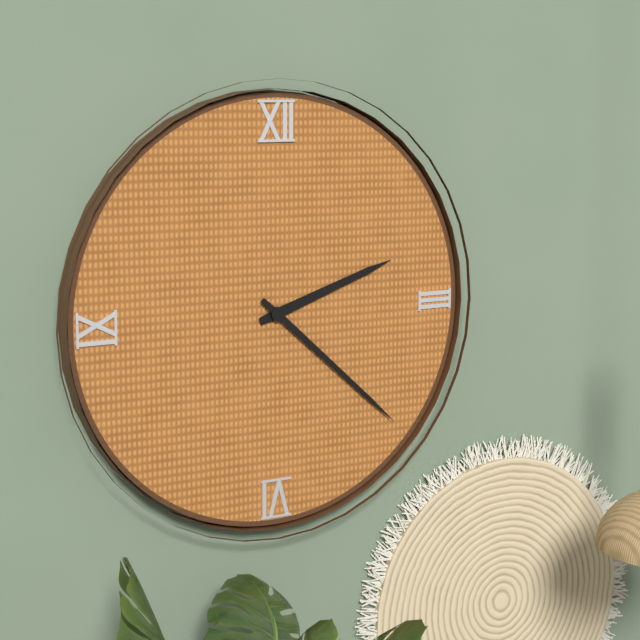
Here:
2,22
